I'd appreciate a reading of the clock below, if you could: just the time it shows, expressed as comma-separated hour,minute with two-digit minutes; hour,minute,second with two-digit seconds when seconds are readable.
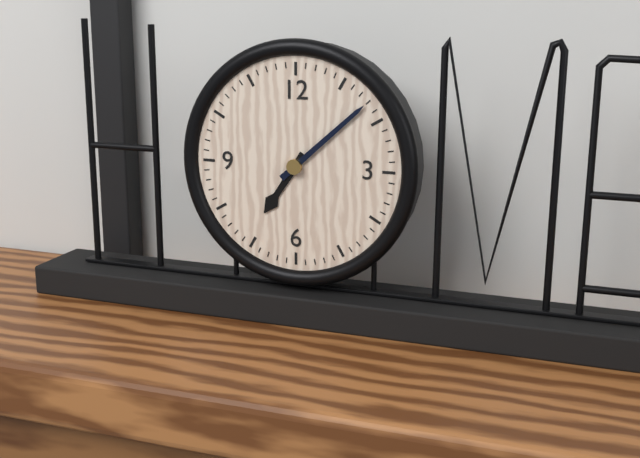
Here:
7,08
